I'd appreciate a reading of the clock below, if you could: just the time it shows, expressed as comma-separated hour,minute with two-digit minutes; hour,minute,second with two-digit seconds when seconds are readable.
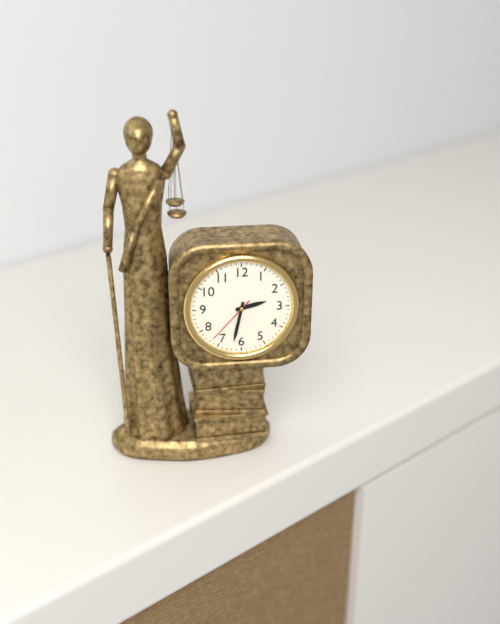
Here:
2,32,37
